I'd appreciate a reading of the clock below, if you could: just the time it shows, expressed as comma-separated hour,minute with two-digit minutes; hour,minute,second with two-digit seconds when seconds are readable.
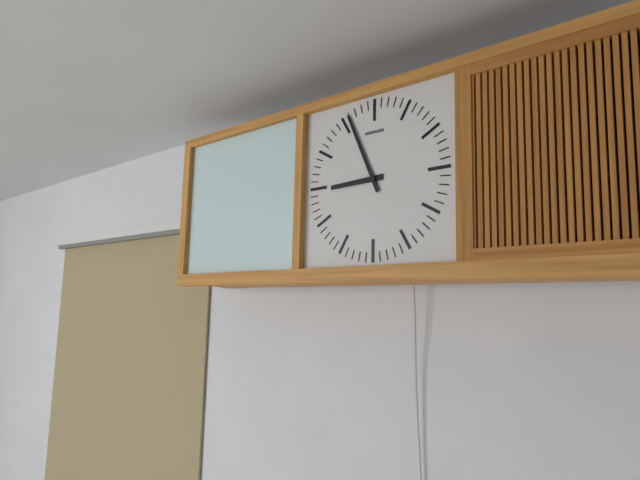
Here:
8,56
